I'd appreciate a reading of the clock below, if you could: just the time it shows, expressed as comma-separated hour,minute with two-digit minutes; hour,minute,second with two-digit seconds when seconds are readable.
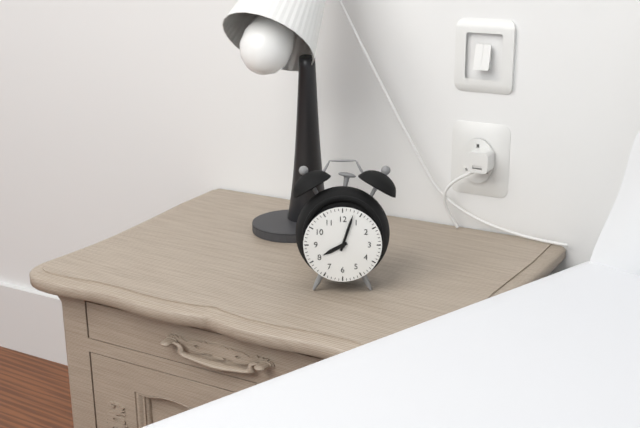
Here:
8,03
